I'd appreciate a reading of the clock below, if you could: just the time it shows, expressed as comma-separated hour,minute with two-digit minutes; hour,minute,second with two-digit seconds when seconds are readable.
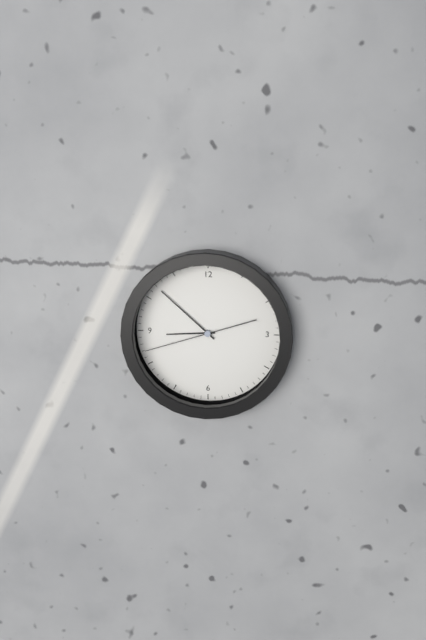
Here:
8,52,42
